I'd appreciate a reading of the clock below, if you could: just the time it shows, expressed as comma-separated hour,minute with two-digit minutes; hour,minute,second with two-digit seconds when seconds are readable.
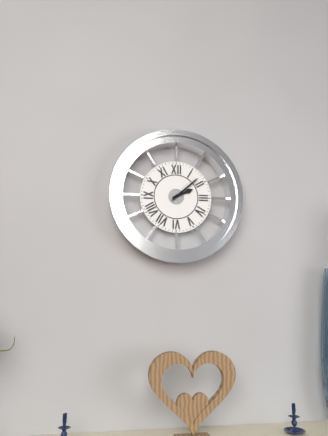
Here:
2,08
